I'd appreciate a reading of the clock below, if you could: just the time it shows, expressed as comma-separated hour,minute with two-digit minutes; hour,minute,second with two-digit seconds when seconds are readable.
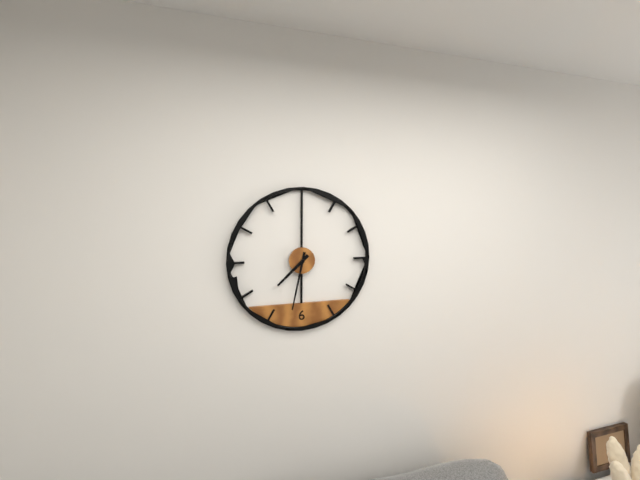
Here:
7,32
